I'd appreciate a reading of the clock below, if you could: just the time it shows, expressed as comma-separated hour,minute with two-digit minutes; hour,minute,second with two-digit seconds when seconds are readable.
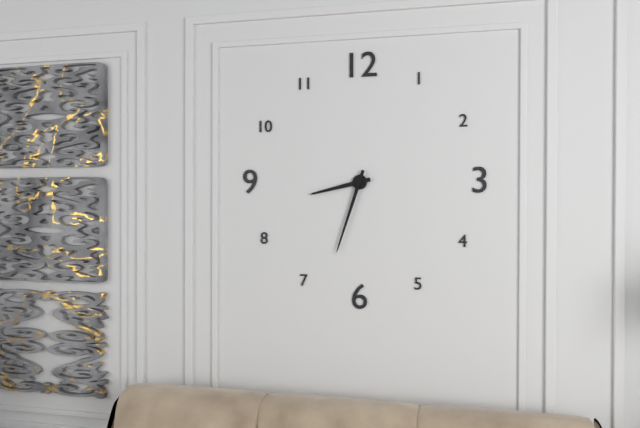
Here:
8,33
